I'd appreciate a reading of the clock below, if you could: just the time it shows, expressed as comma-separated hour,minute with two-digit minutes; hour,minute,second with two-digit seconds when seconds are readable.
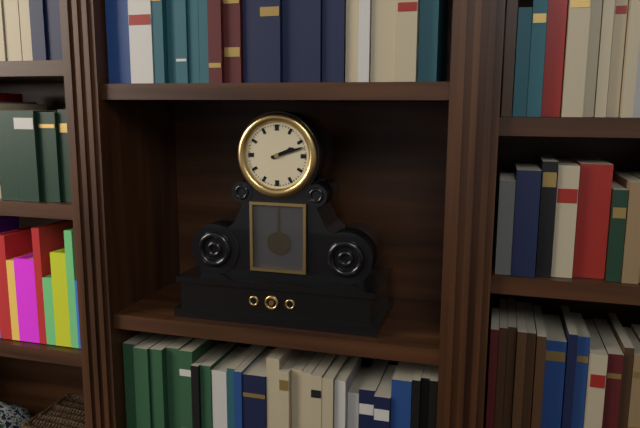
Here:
2,12
